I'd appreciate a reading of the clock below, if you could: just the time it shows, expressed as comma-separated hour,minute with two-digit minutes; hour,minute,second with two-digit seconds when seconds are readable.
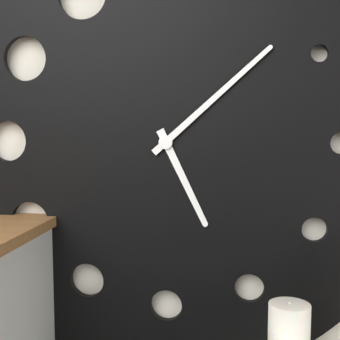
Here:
5,08
